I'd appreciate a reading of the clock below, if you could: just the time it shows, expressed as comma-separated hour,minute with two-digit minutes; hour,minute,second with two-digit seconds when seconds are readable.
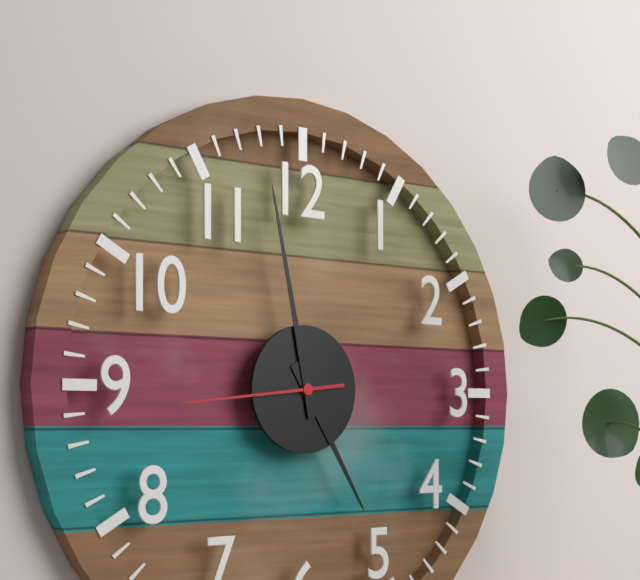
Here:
4,58,44
